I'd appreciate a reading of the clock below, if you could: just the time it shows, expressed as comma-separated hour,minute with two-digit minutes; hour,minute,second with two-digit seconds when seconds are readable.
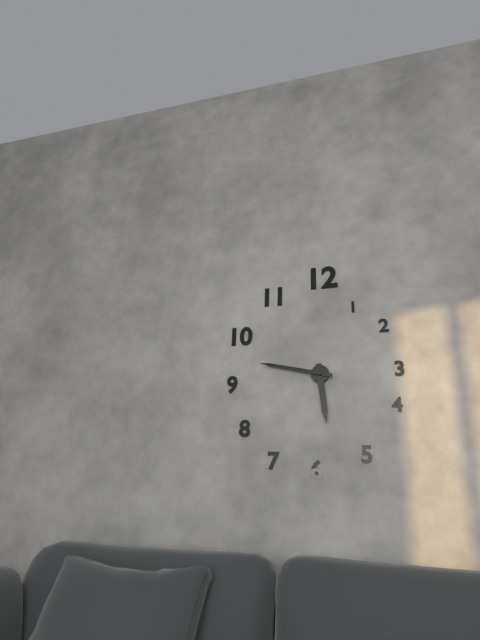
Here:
5,47
